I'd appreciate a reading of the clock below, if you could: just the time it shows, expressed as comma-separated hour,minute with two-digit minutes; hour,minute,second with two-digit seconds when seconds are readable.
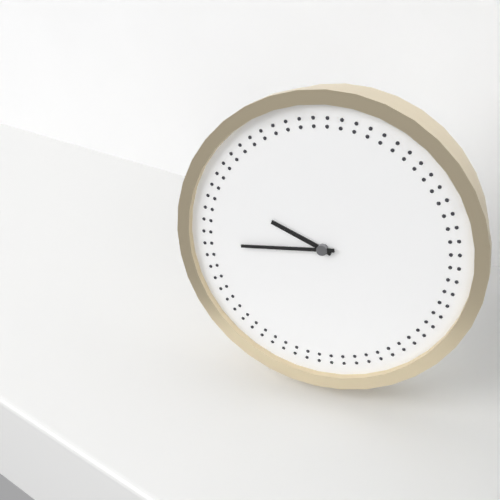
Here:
9,44
